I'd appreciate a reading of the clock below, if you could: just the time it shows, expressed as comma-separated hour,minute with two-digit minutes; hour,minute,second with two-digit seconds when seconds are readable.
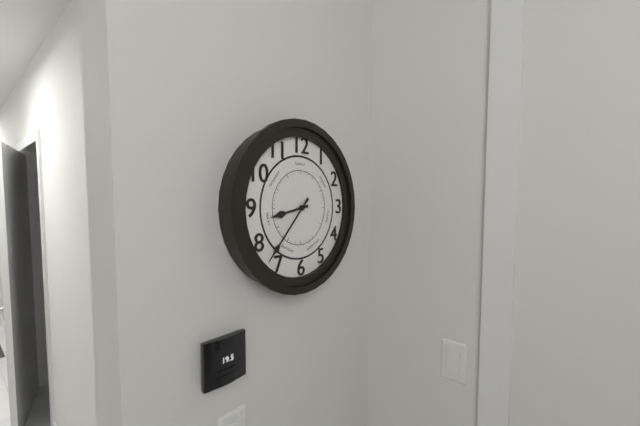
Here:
8,37
